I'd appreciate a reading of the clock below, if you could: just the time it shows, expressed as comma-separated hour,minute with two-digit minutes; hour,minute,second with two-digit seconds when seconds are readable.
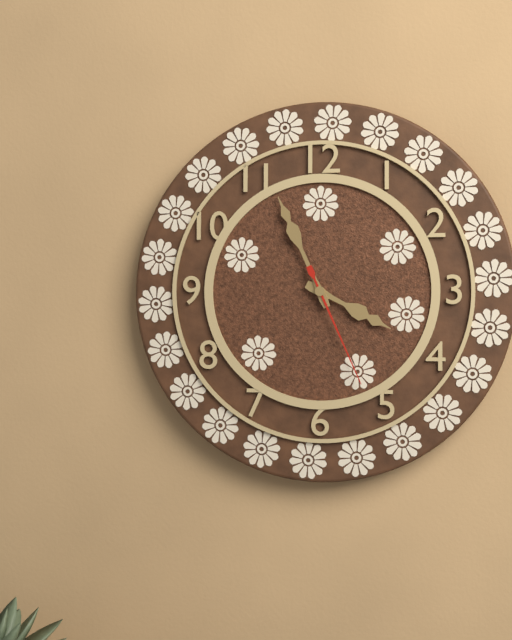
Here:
3,56,26
